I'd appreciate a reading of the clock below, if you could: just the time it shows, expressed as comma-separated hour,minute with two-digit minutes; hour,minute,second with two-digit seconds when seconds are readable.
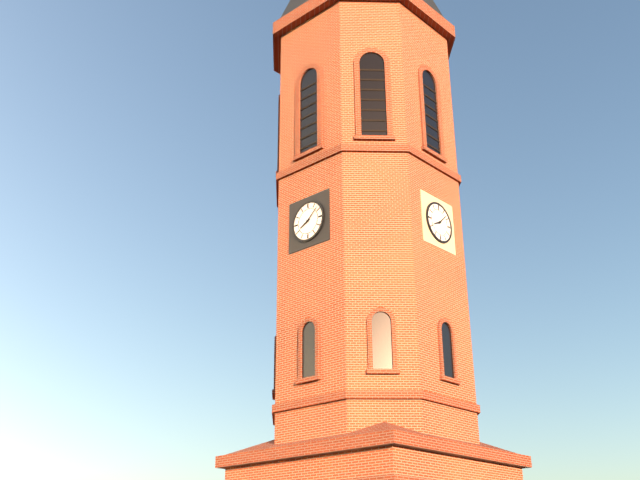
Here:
8,08
